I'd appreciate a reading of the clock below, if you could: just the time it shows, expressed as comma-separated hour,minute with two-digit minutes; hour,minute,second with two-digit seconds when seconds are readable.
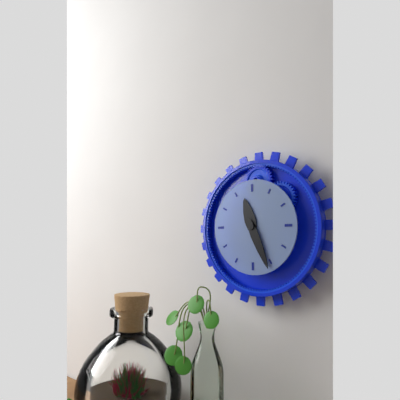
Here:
11,26
